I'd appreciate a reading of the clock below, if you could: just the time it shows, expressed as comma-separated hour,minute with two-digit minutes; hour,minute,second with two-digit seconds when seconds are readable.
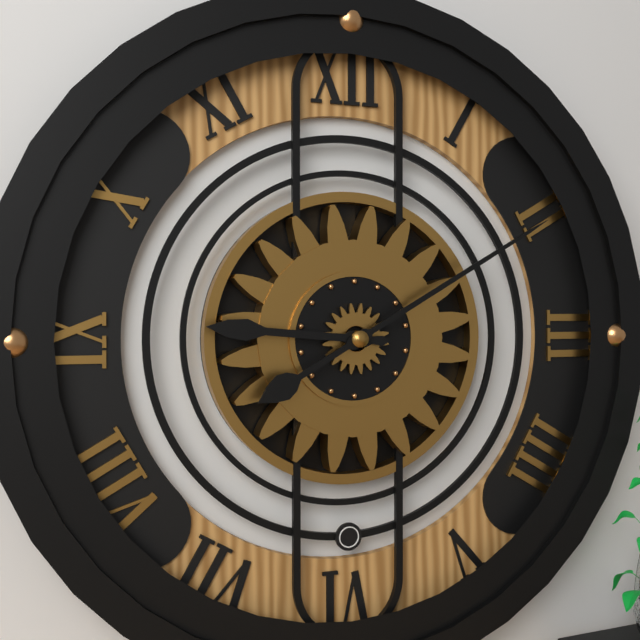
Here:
9,10
